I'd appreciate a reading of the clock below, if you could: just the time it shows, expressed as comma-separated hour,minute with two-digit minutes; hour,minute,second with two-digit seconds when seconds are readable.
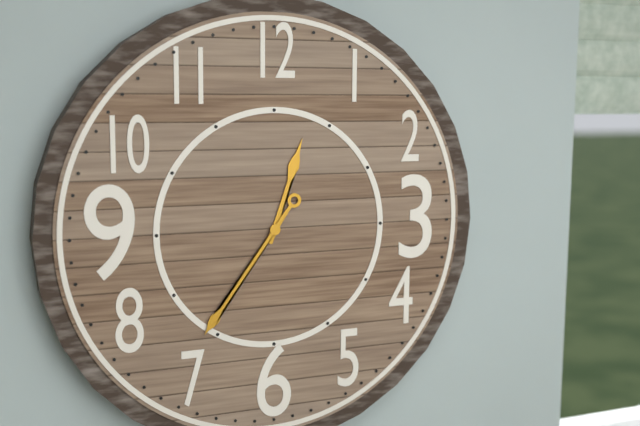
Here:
12,36
